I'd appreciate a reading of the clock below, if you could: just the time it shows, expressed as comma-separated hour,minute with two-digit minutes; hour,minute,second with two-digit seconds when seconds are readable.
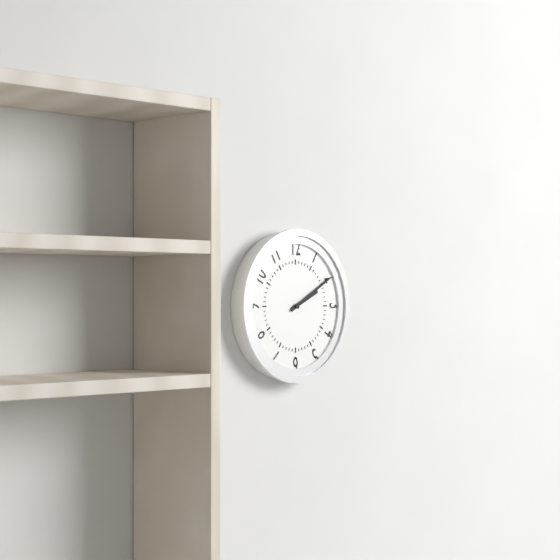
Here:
2,10
